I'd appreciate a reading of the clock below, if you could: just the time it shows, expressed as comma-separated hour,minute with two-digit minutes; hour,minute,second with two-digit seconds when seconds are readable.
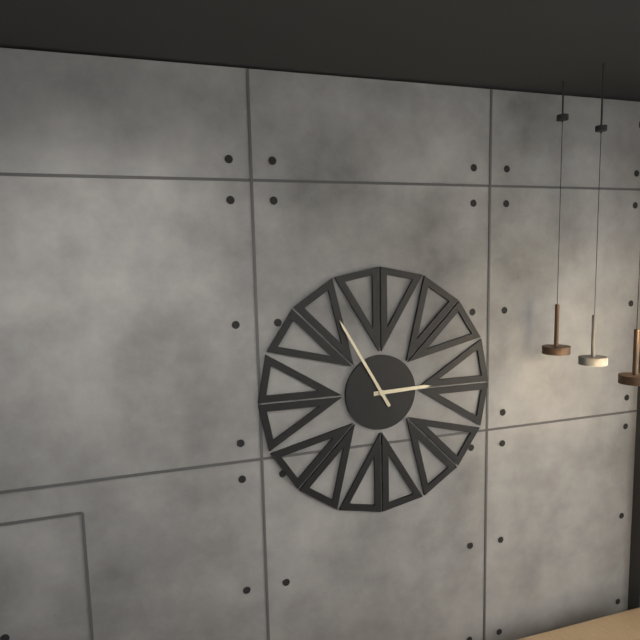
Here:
2,55
